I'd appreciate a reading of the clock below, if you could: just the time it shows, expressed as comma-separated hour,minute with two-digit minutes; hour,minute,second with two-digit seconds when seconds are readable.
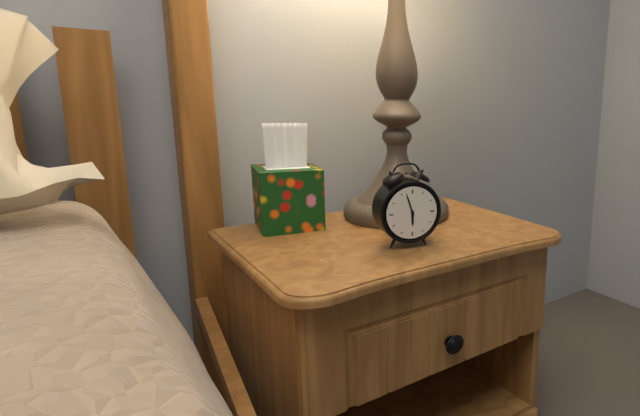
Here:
5,57
